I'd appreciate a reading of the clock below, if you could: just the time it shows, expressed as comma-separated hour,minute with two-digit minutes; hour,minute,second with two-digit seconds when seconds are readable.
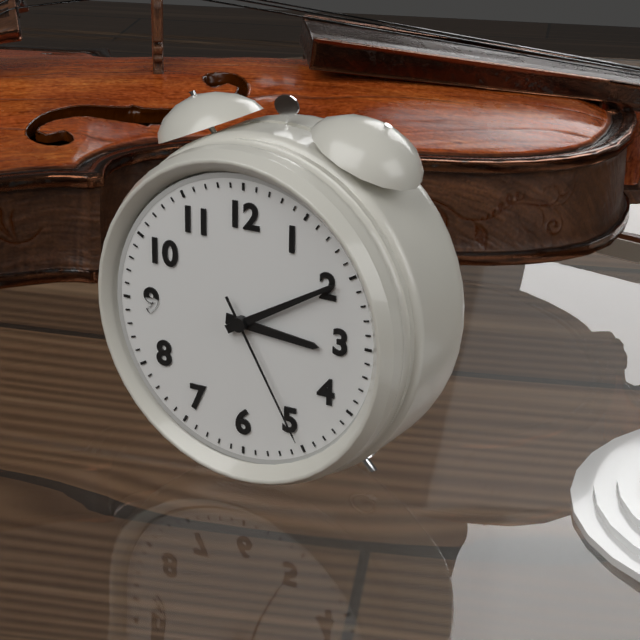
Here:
3,10,25
